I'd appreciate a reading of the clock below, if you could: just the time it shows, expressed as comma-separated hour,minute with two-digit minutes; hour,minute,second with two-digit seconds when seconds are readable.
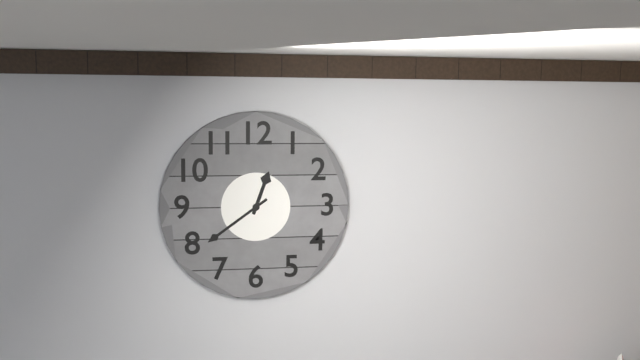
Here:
12,39
